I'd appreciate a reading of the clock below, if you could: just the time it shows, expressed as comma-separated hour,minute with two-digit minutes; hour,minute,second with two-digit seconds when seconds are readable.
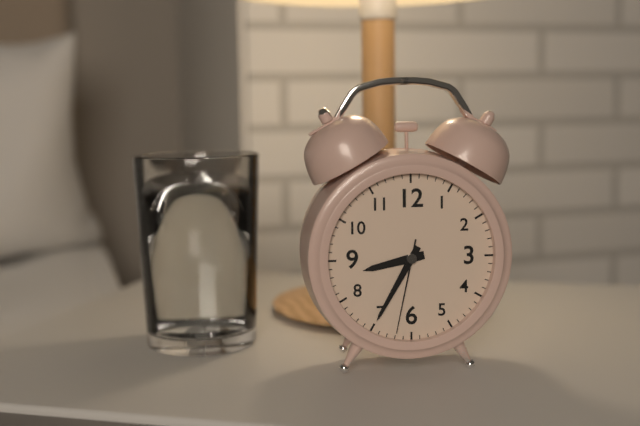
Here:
8,35,32
